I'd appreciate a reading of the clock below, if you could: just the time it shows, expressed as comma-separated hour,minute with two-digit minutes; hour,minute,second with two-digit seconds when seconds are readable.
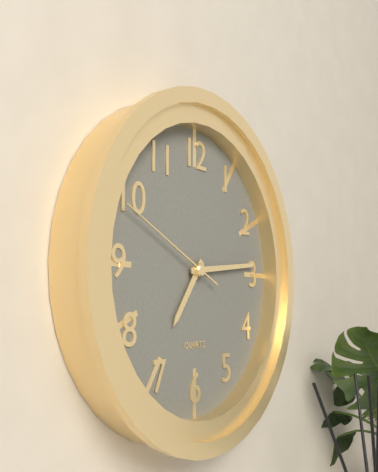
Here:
7,14,49
